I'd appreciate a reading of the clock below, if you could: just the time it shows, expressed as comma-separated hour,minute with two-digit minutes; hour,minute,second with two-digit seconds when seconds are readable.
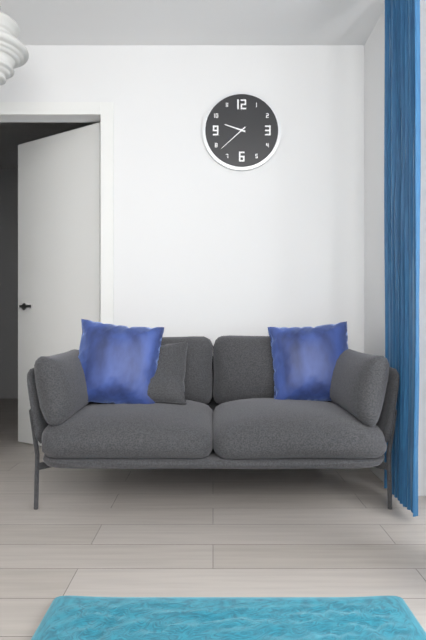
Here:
9,38
